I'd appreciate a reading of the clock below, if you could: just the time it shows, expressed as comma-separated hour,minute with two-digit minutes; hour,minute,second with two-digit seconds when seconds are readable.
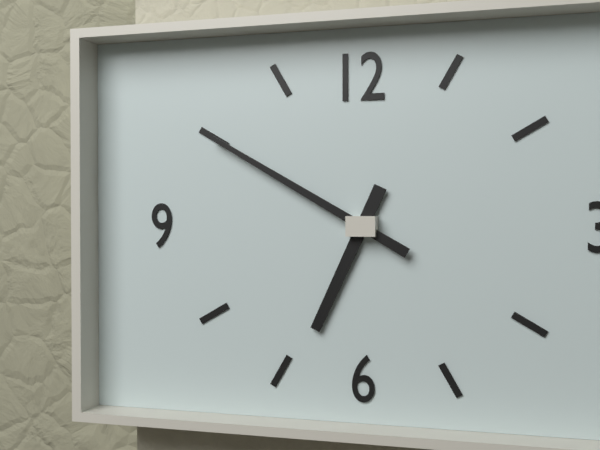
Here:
6,50
